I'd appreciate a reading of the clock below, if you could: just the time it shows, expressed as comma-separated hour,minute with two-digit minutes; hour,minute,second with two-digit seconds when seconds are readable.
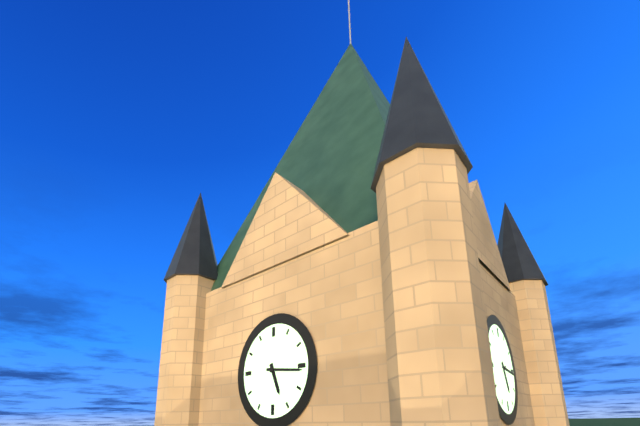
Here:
5,16
